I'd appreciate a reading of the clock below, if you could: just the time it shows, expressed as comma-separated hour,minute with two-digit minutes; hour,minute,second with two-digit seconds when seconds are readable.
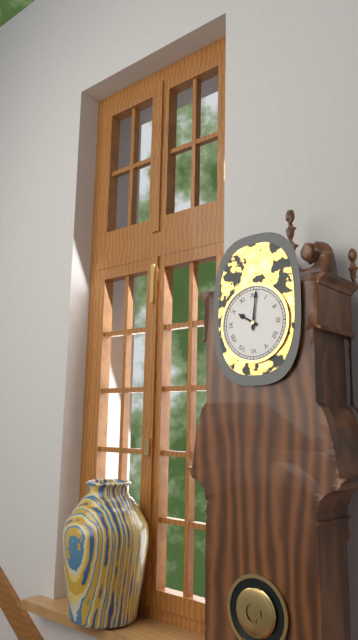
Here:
10,01
